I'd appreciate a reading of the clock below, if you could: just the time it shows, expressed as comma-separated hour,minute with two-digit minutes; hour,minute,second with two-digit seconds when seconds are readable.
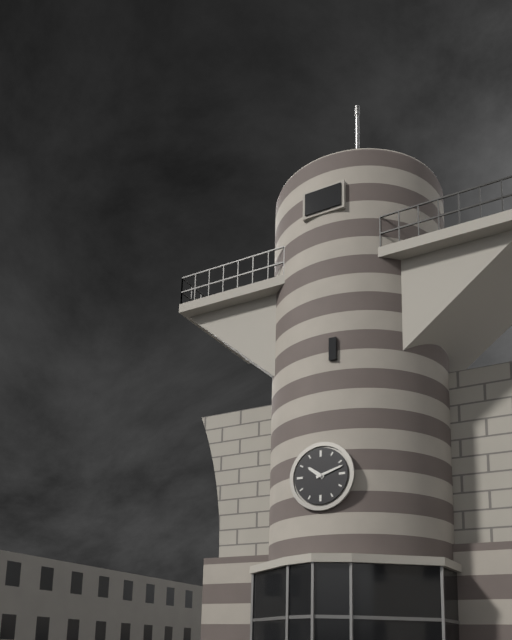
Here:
10,12
